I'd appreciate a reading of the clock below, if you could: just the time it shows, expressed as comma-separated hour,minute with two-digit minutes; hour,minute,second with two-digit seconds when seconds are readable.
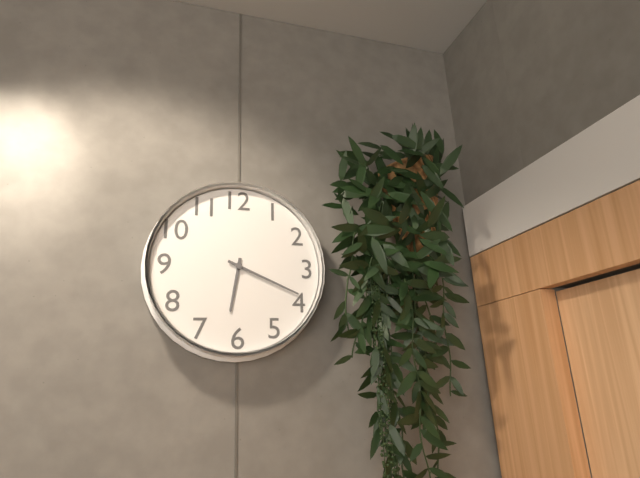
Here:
6,19
